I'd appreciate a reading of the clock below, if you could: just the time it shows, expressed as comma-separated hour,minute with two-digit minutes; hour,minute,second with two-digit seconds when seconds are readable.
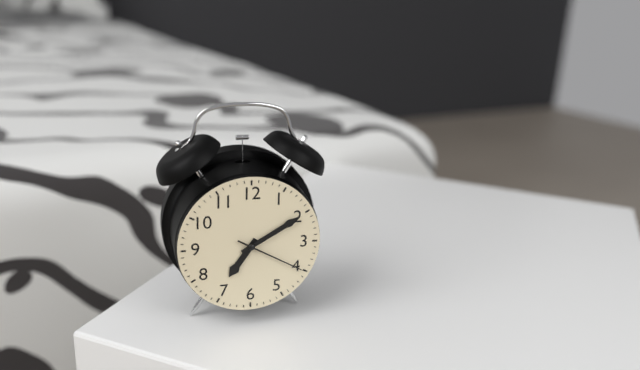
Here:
7,10,20
